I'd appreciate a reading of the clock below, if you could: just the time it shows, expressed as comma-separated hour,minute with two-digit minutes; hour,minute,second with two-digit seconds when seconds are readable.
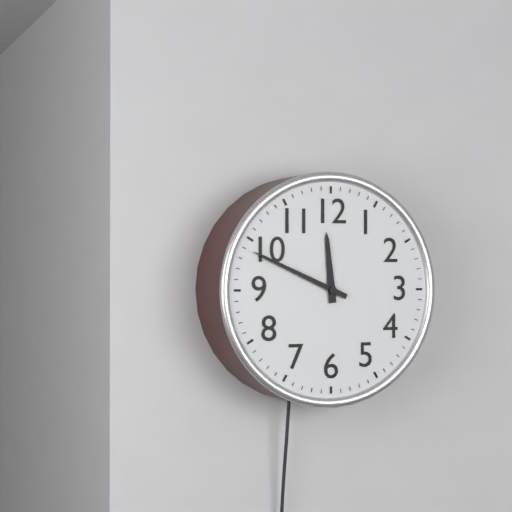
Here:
11,49
